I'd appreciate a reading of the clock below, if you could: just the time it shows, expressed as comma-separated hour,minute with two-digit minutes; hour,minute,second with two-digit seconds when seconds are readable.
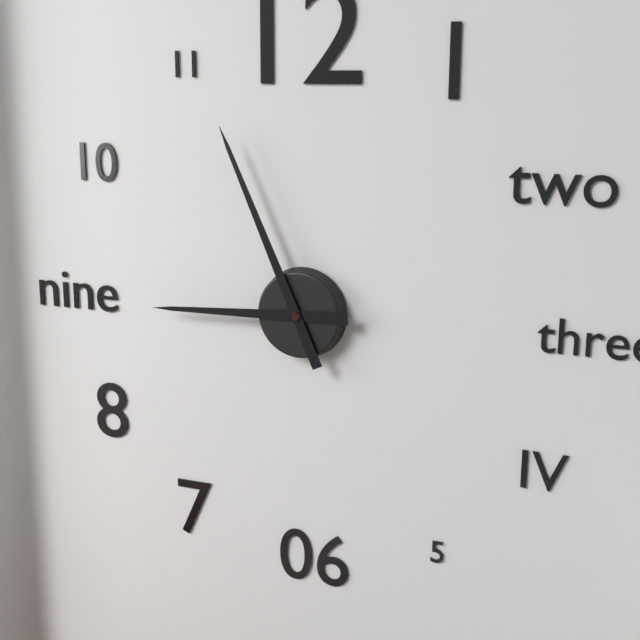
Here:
8,56
